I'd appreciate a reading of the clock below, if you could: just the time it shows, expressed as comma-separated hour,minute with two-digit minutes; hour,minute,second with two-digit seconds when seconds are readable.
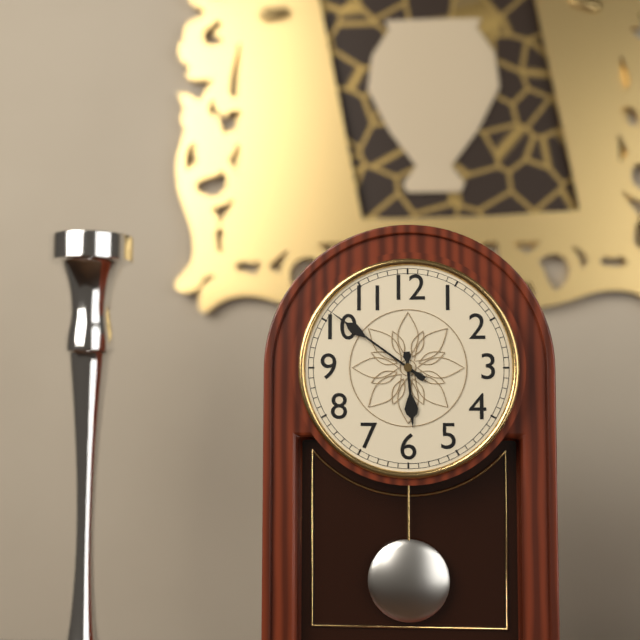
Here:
5,51
